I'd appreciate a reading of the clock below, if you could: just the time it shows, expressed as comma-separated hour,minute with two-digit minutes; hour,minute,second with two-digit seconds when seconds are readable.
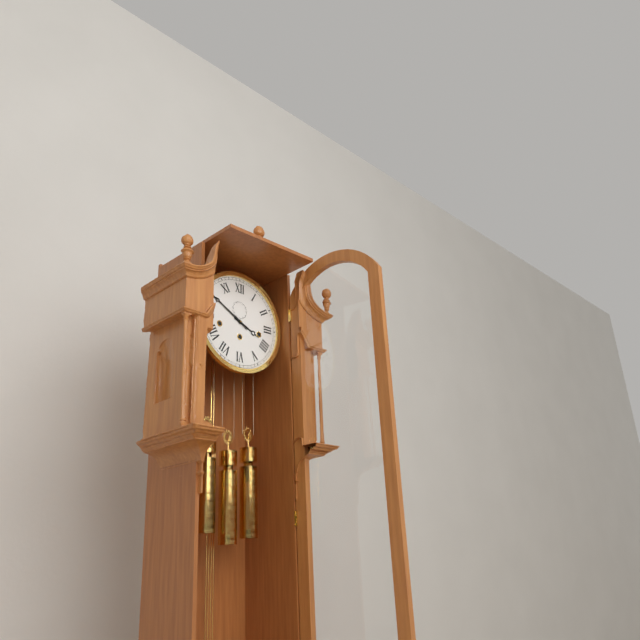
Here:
3,50
